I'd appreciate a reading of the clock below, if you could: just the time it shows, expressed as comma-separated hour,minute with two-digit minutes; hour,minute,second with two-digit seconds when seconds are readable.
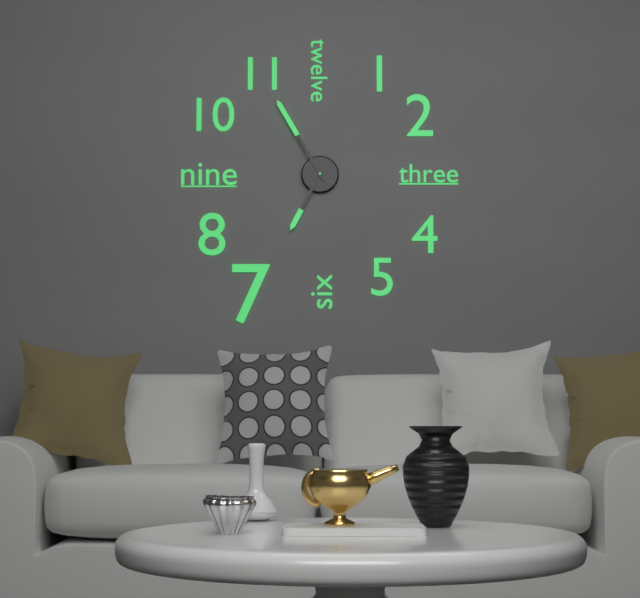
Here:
6,55
